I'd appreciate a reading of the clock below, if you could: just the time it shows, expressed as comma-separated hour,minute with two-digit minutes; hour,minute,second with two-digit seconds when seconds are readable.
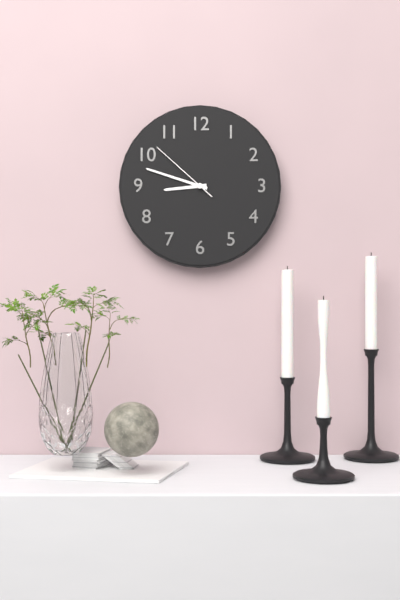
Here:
8,48,52
